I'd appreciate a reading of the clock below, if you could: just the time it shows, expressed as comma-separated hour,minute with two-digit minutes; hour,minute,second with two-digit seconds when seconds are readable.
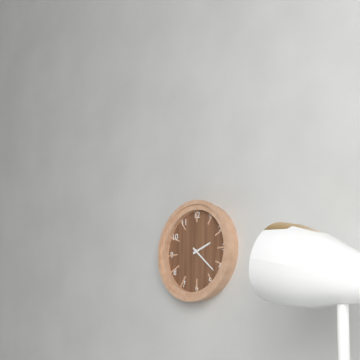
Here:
2,22
